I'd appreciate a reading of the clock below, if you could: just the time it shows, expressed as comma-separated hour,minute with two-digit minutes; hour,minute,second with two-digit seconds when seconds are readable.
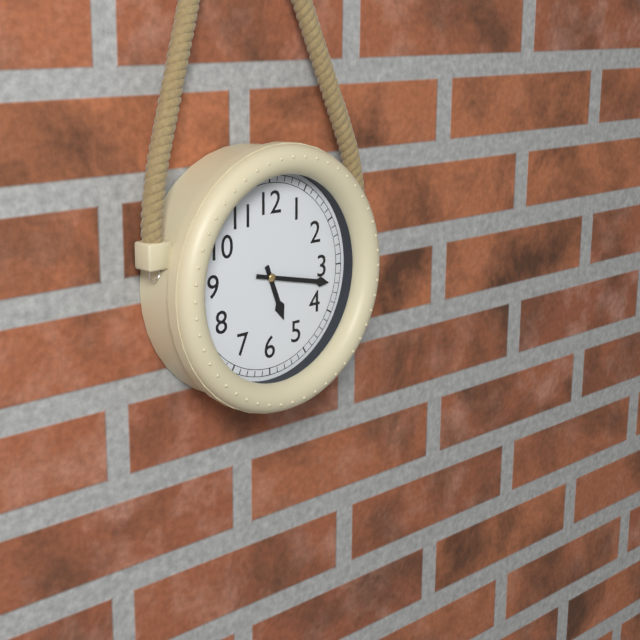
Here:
5,17
